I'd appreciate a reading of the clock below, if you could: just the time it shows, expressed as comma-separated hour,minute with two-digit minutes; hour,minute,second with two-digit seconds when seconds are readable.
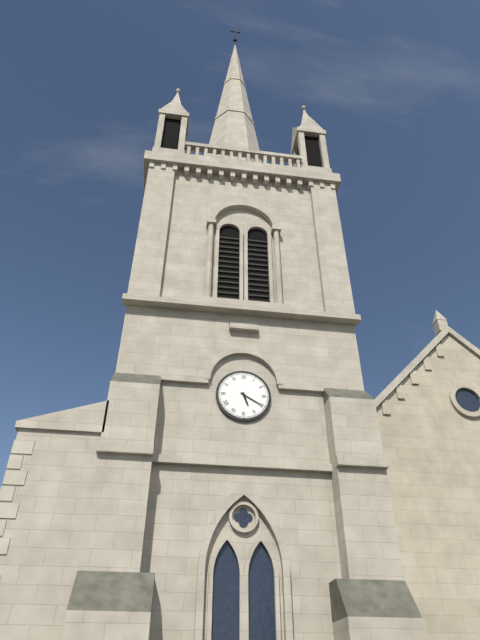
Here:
5,20
